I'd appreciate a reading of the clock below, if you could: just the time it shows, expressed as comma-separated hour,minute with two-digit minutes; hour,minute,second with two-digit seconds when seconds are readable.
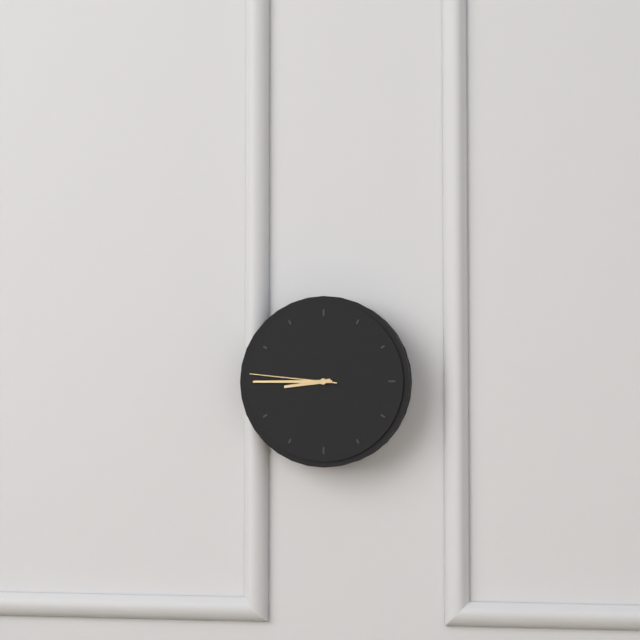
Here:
8,45,46
